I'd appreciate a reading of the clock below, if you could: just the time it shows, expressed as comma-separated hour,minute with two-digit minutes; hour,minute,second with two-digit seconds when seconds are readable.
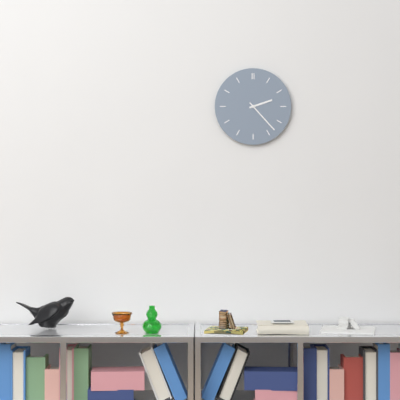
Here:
2,23
